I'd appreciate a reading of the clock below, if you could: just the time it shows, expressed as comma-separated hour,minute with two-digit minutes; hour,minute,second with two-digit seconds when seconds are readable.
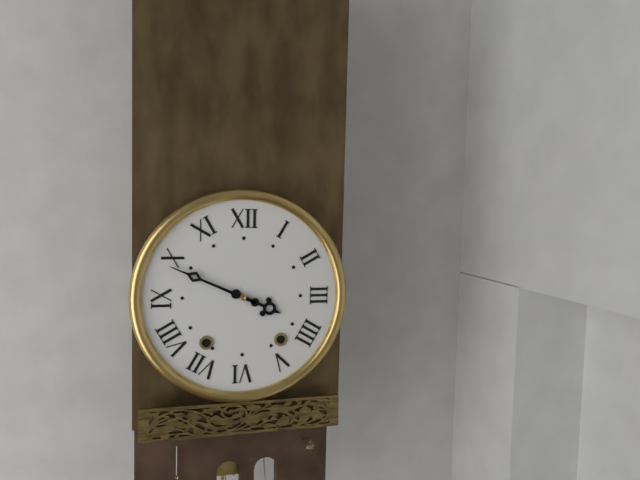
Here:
3,49
